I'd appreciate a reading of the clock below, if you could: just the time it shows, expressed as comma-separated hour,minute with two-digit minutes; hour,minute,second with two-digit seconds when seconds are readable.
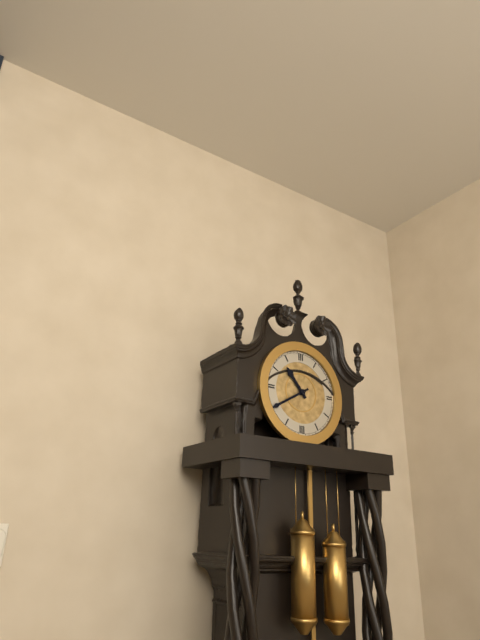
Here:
10,40
